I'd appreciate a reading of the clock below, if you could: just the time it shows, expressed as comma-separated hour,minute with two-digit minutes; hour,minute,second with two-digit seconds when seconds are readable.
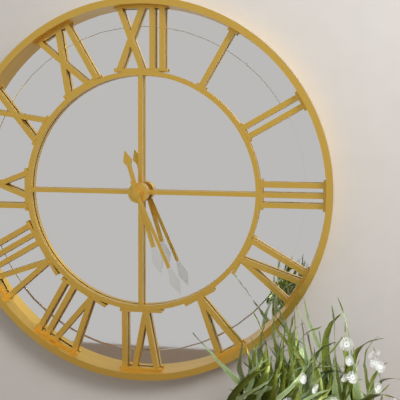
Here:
5,26
